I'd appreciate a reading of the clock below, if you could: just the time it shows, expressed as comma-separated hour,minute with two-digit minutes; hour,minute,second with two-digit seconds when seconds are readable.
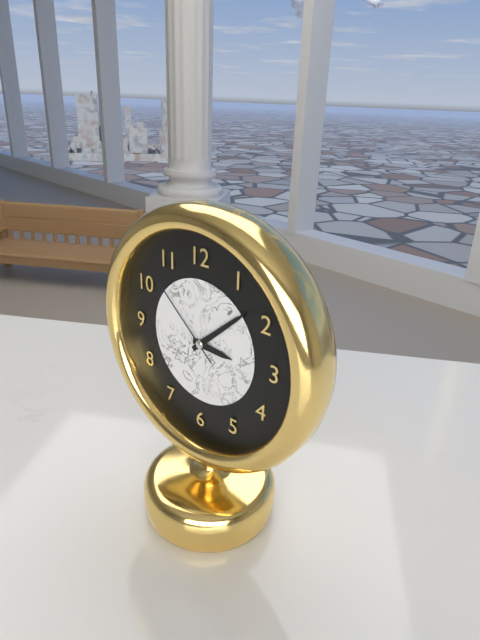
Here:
3,08,52
